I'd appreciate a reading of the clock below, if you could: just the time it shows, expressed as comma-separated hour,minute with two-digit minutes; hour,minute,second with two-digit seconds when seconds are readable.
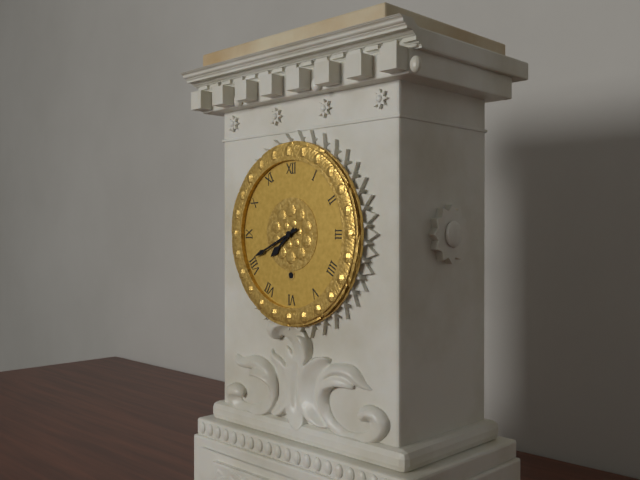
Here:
7,41
